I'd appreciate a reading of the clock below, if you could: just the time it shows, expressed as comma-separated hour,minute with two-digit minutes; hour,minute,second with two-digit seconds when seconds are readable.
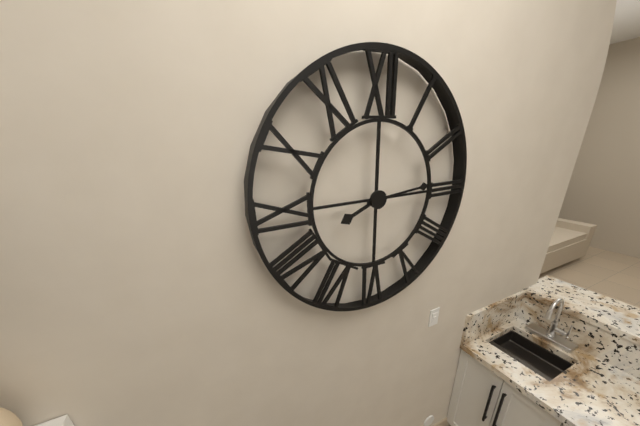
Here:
8,14
